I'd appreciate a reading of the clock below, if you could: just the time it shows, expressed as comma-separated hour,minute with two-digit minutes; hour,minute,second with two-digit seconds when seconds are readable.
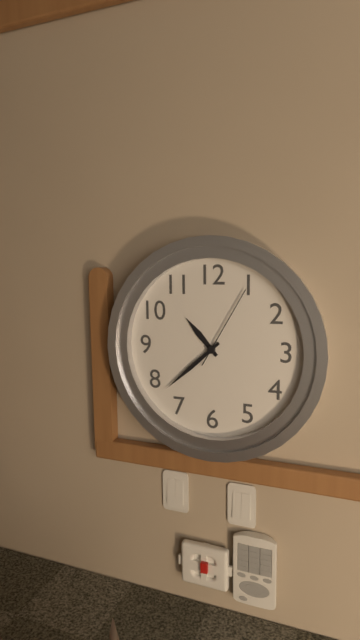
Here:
10,38,05
